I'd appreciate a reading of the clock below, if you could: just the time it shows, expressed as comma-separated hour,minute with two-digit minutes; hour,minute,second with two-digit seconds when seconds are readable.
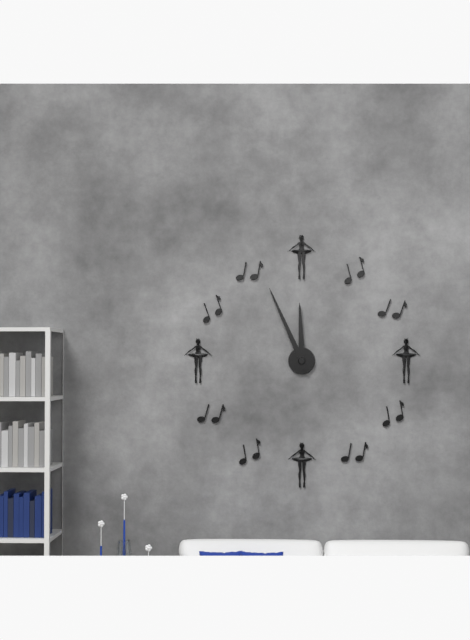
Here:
11,56
